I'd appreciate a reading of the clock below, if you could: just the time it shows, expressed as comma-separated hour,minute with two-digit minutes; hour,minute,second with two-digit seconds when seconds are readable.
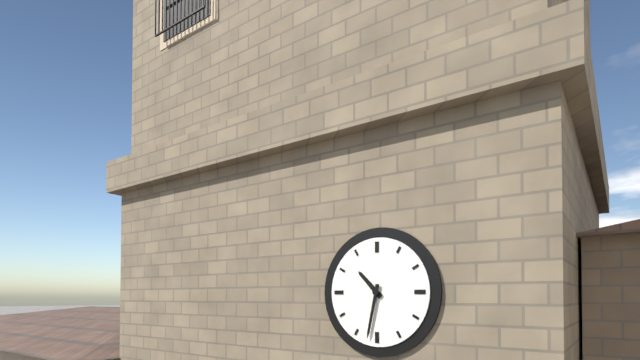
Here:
10,32
